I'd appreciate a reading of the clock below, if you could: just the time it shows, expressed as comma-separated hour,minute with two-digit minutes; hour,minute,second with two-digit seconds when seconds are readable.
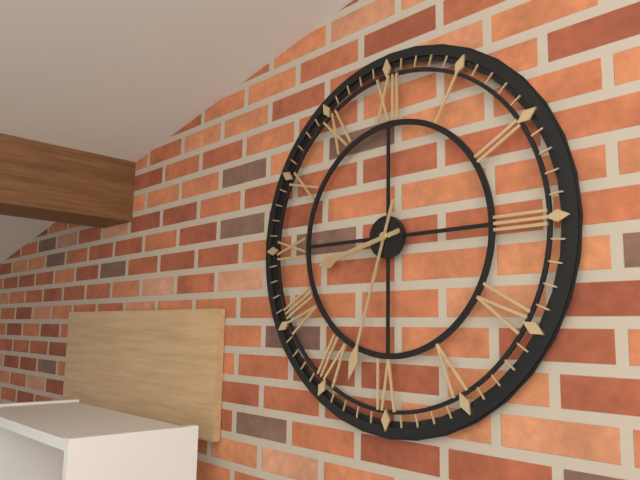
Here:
8,33
